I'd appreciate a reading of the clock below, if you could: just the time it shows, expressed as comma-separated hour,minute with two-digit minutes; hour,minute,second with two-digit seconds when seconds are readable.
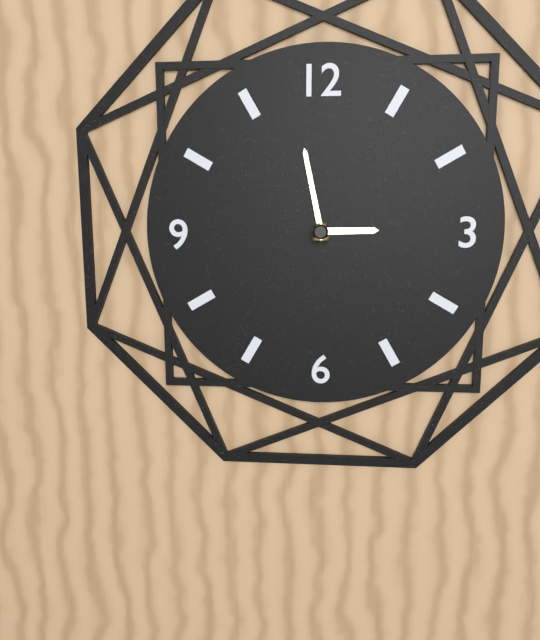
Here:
2,58
